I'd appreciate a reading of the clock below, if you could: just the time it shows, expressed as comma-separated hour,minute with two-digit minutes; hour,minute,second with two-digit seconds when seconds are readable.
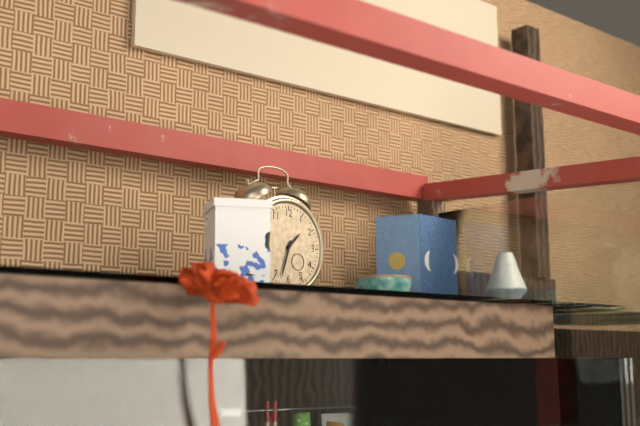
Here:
1,33
